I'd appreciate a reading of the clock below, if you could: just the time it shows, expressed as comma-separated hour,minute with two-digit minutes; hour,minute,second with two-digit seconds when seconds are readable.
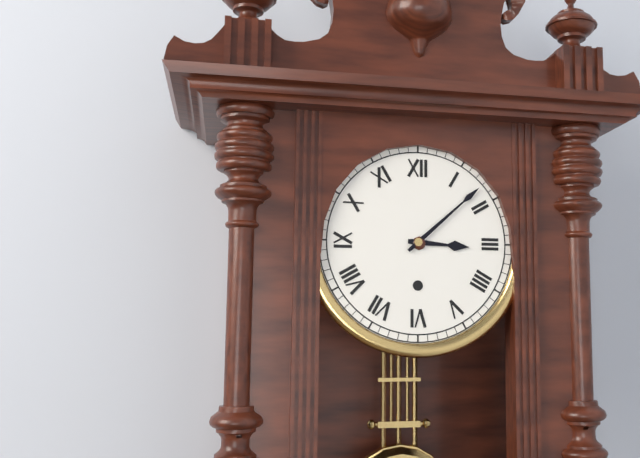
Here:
3,08
